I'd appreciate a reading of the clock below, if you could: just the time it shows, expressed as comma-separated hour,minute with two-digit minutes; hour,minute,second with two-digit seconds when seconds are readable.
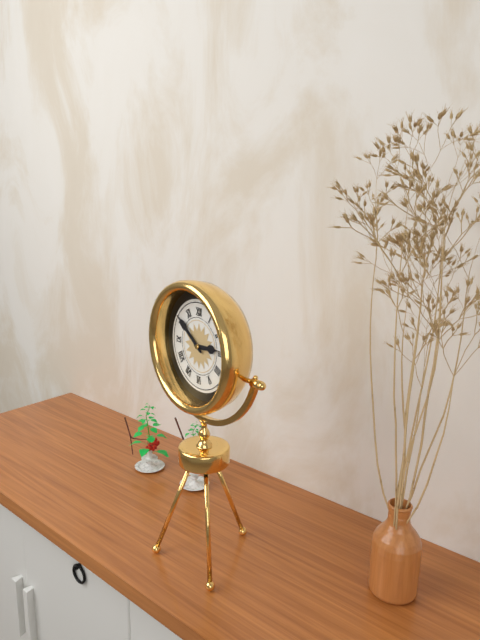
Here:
2,51
